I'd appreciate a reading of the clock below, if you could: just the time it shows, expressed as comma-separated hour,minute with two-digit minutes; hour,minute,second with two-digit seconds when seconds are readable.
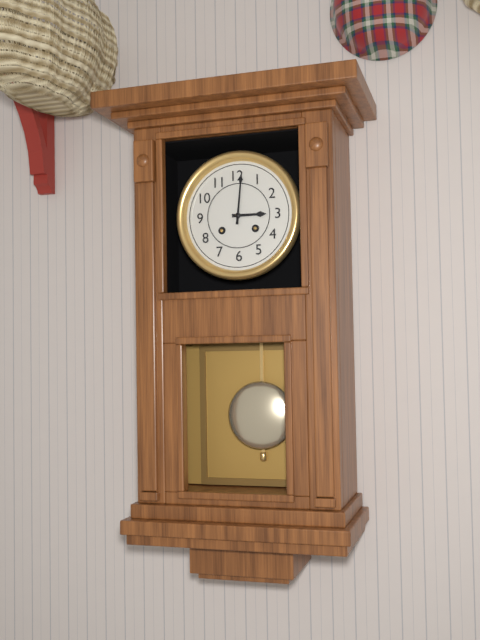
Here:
3,01
